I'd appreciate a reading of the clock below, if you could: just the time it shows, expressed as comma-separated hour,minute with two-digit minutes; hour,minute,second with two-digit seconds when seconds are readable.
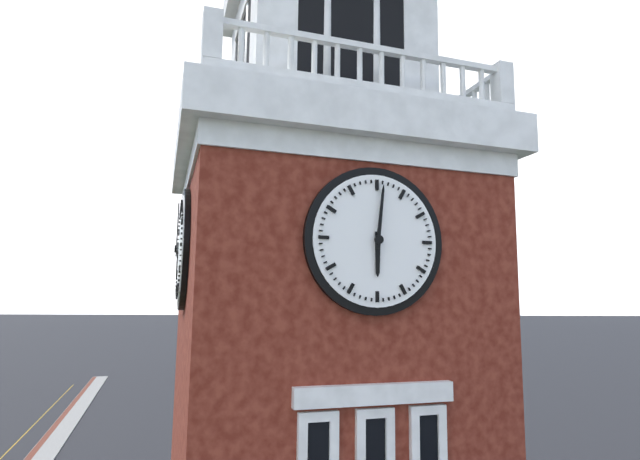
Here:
6,01
